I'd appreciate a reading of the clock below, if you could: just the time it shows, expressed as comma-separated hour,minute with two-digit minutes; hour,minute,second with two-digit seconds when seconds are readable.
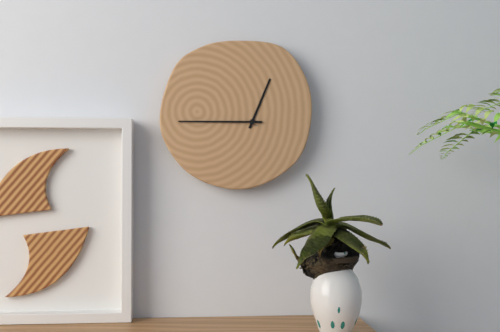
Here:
12,45
